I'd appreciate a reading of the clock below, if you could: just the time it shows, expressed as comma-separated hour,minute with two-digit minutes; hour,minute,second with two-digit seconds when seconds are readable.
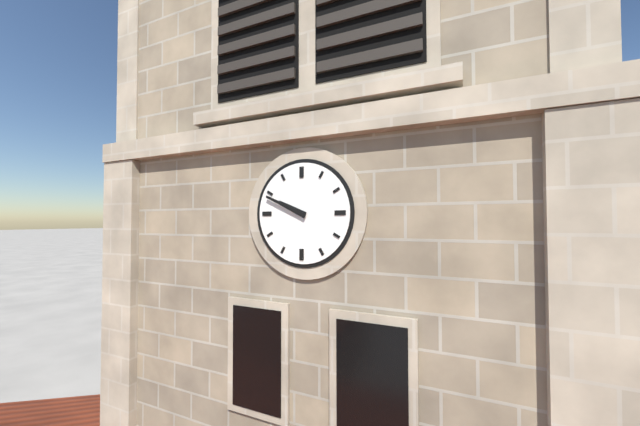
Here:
9,49
